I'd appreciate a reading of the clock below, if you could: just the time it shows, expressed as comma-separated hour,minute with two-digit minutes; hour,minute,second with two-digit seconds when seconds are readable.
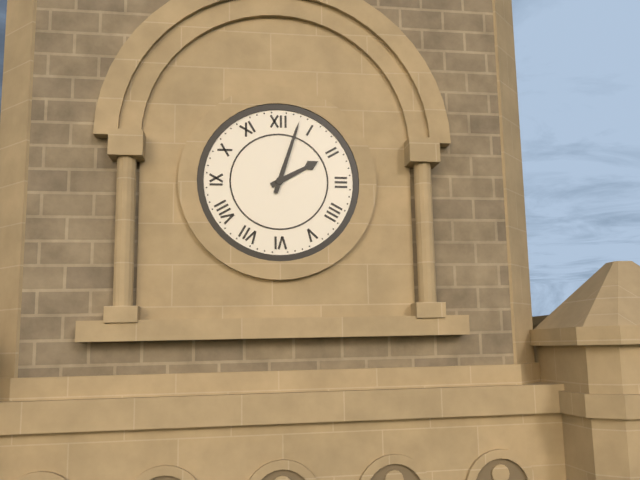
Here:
2,03
